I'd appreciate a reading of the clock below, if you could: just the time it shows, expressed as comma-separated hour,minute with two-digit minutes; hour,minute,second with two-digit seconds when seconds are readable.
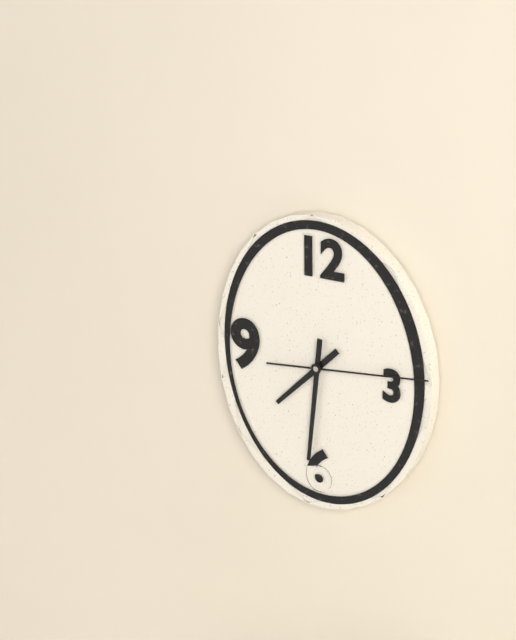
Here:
7,31,14
